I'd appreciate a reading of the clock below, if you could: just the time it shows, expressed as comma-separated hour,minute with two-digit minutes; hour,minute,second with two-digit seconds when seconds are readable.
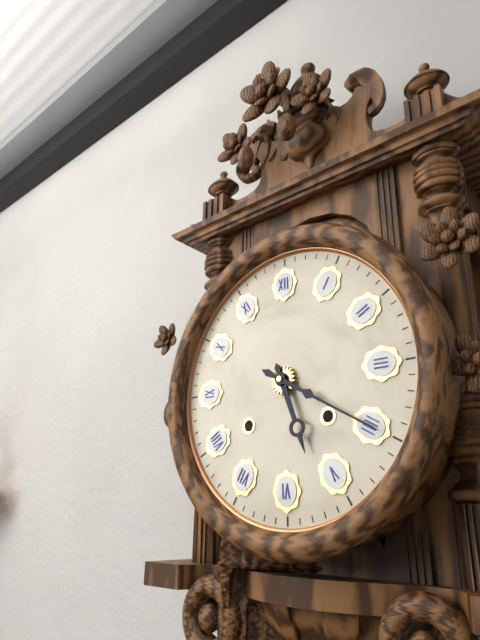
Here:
5,20
